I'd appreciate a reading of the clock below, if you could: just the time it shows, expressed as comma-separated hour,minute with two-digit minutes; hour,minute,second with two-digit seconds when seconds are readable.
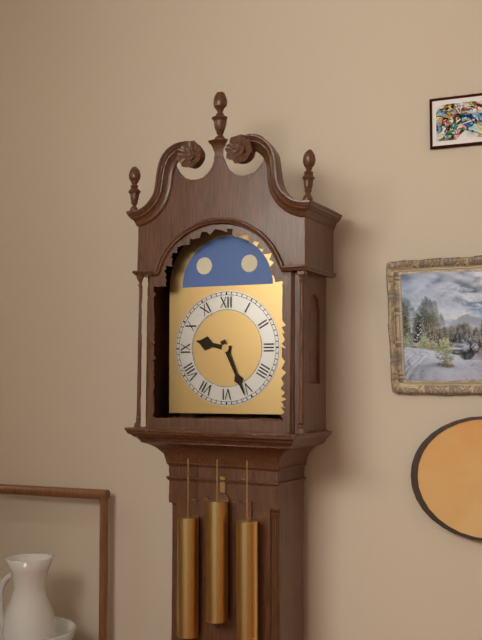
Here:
9,26
